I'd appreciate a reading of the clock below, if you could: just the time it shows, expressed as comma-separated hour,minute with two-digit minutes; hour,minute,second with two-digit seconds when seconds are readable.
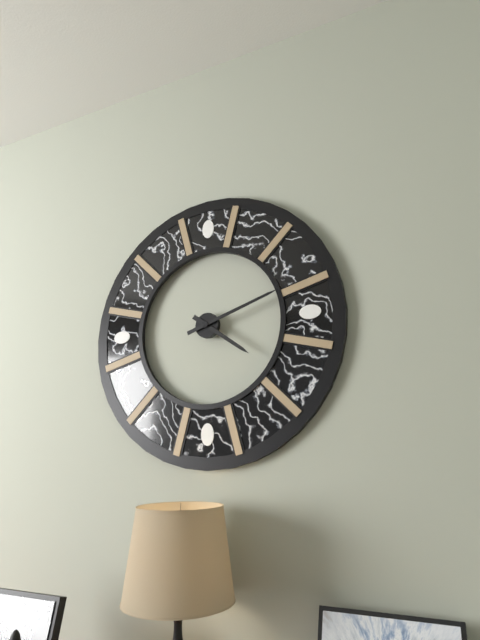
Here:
4,12
